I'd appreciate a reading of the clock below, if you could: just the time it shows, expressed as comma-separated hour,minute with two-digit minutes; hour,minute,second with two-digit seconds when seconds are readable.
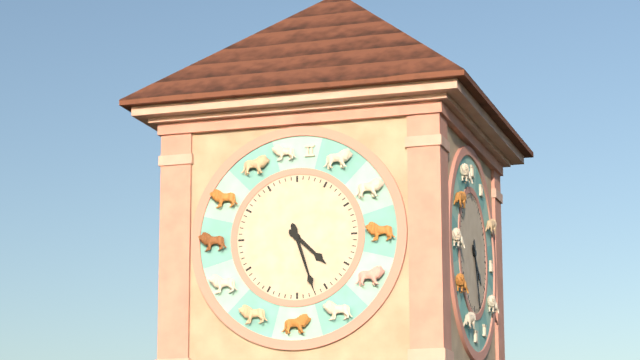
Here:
4,27
